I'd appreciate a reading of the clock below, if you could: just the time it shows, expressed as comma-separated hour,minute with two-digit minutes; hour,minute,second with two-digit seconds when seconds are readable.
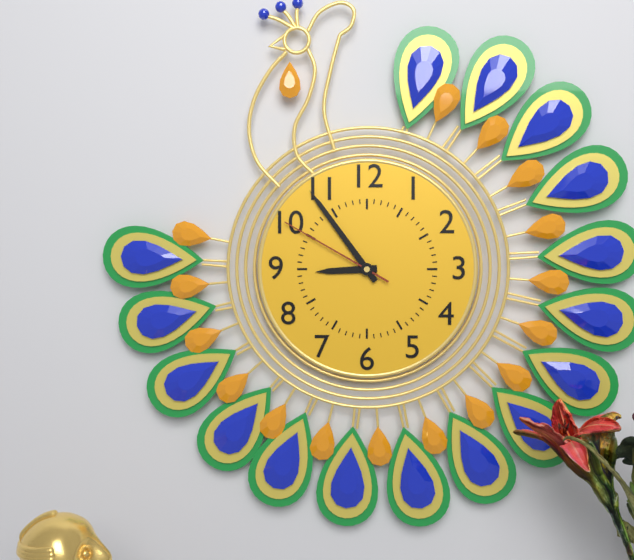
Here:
8,54,50
